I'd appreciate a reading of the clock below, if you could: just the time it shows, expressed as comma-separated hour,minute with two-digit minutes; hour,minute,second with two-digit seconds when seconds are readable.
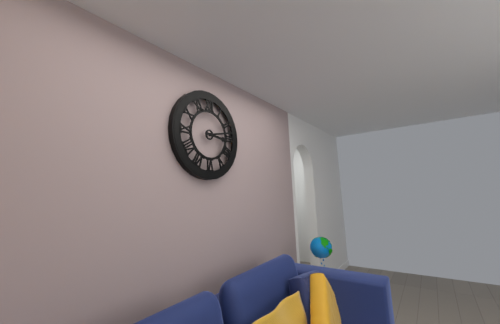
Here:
3,13
